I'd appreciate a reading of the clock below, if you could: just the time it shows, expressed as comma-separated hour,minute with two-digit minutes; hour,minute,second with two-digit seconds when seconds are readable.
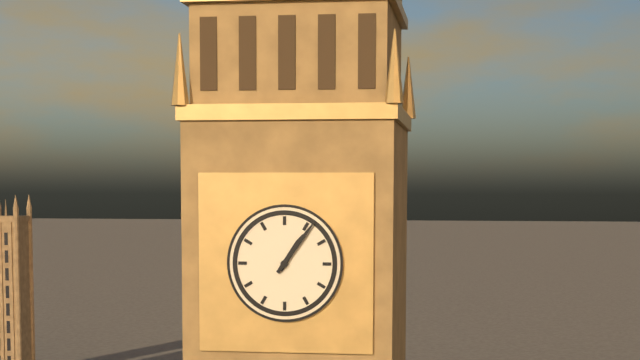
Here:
1,06
